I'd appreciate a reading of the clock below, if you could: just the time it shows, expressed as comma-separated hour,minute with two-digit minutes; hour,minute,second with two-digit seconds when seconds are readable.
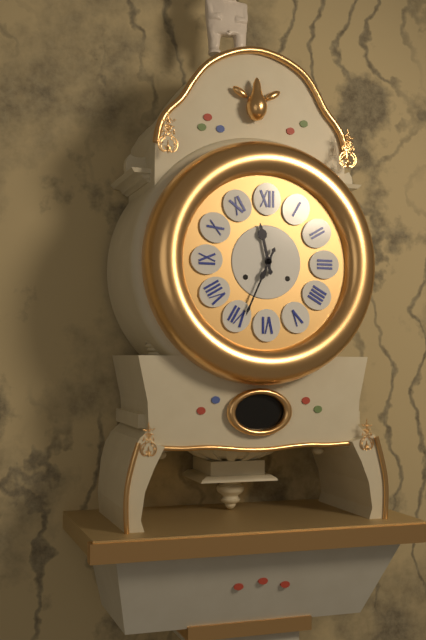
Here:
11,34
